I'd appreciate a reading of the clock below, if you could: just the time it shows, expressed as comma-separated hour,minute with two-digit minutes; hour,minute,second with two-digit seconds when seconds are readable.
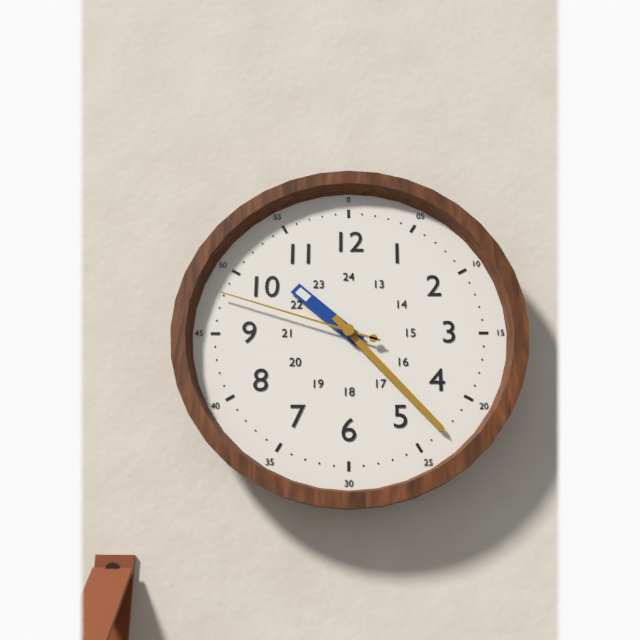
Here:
10,23,48
